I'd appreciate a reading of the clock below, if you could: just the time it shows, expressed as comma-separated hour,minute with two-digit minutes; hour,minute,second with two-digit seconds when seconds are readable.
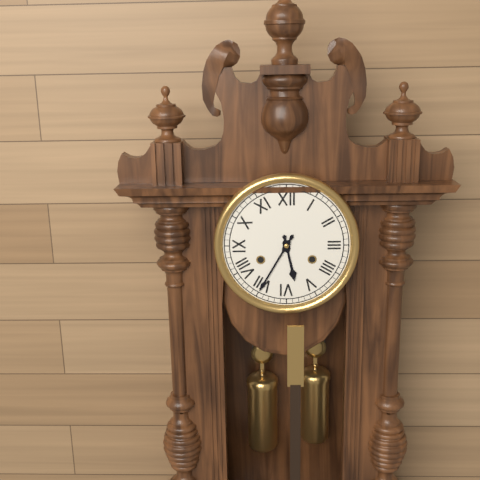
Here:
5,35
